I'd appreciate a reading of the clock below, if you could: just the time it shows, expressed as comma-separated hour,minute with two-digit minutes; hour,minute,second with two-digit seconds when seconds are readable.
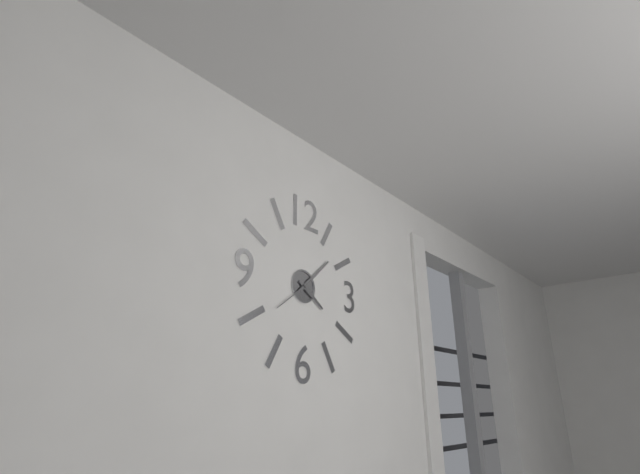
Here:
4,08
